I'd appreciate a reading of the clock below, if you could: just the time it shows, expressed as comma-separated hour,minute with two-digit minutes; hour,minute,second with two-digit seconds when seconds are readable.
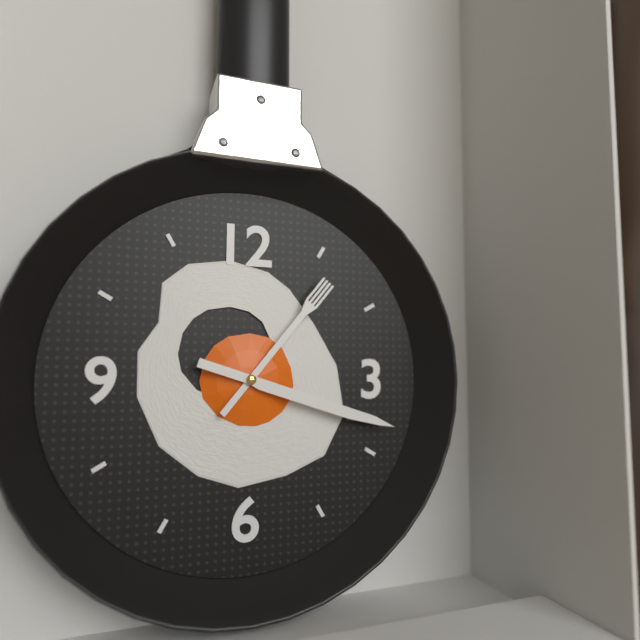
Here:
1,18
